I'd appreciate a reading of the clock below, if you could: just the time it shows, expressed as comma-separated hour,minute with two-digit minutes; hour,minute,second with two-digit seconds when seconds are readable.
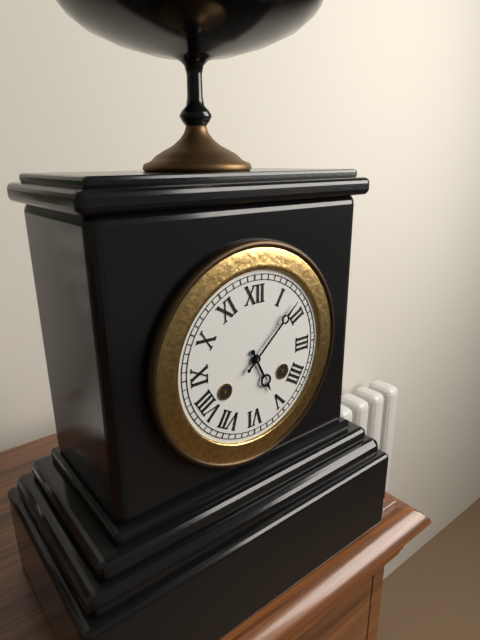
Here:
5,08
